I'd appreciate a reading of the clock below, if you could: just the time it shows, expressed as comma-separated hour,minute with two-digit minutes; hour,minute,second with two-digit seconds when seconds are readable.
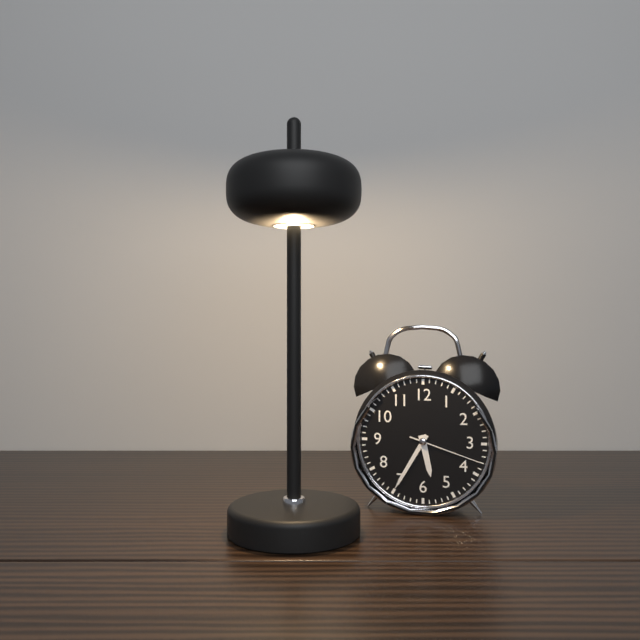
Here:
5,35,18
